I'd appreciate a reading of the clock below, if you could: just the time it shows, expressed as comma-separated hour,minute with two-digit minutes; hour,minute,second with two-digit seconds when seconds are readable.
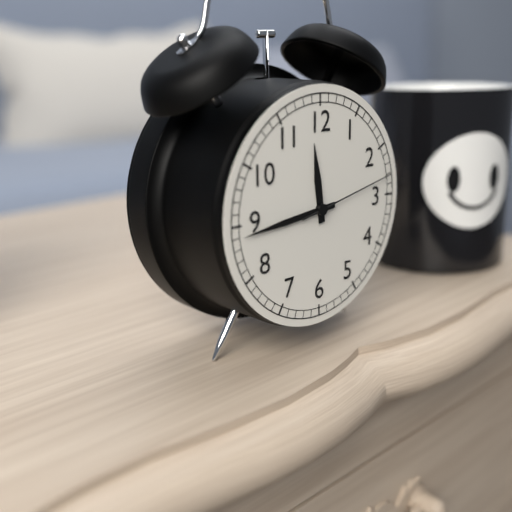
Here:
11,44,13
